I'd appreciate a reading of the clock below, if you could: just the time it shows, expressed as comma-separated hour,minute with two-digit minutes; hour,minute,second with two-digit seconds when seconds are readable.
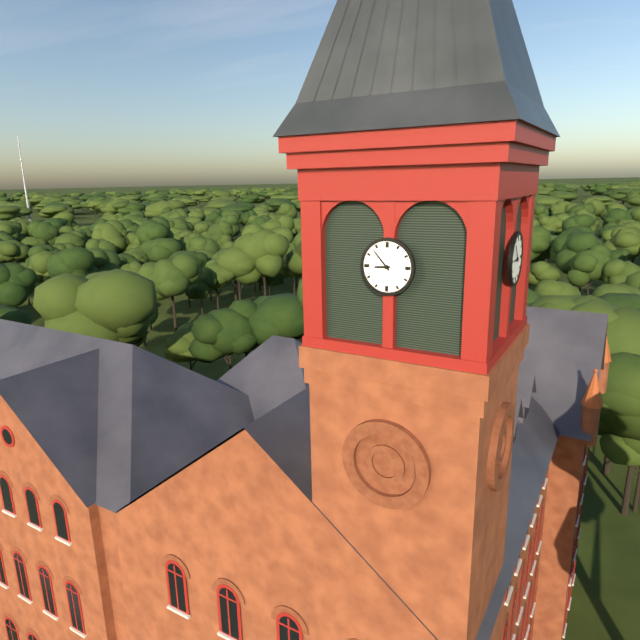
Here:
8,53
